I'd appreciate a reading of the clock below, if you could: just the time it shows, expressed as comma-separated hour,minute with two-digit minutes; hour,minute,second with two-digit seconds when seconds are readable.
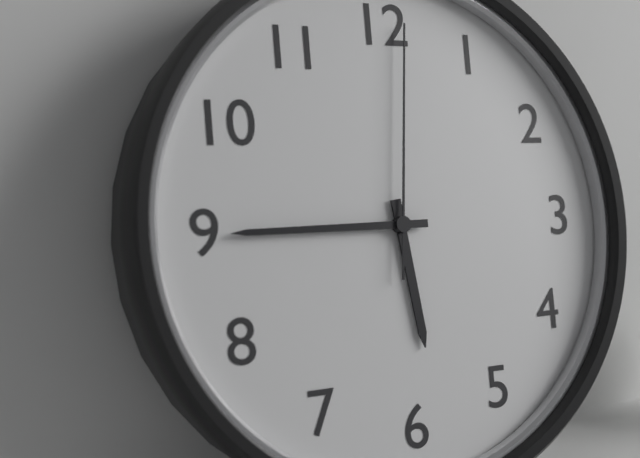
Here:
5,45,01
